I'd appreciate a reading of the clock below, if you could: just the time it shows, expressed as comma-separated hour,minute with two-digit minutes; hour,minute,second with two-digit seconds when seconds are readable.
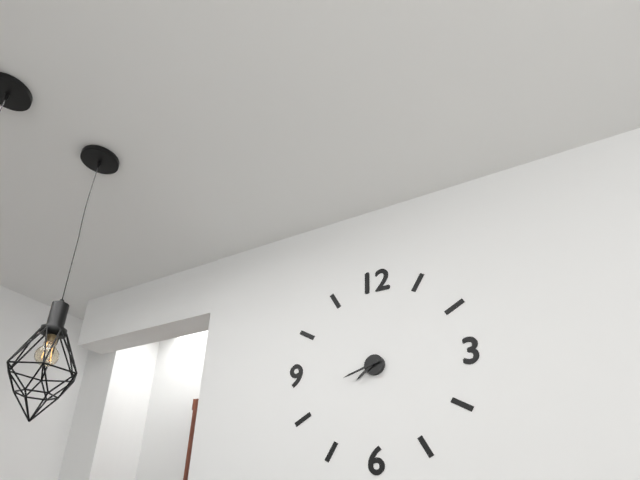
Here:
7,42
